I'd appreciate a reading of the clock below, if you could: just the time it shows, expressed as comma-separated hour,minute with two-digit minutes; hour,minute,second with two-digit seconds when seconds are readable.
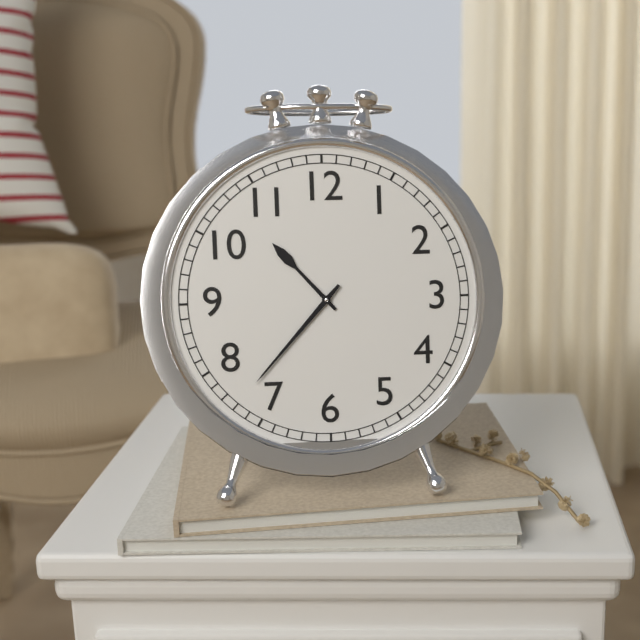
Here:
10,37
